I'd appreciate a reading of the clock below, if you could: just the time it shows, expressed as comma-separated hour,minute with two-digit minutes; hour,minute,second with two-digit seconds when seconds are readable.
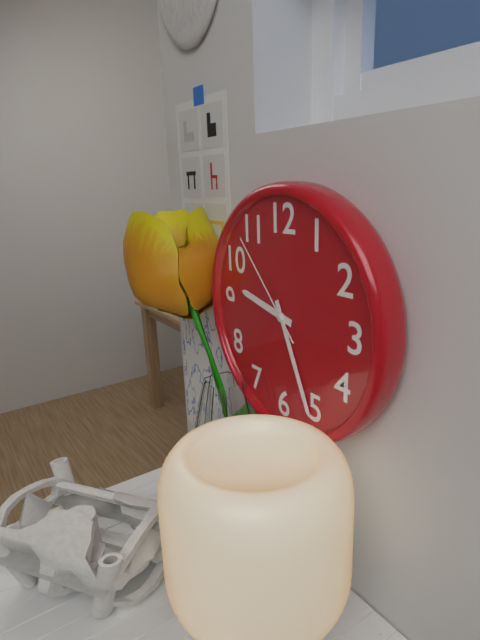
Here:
9,26,53
